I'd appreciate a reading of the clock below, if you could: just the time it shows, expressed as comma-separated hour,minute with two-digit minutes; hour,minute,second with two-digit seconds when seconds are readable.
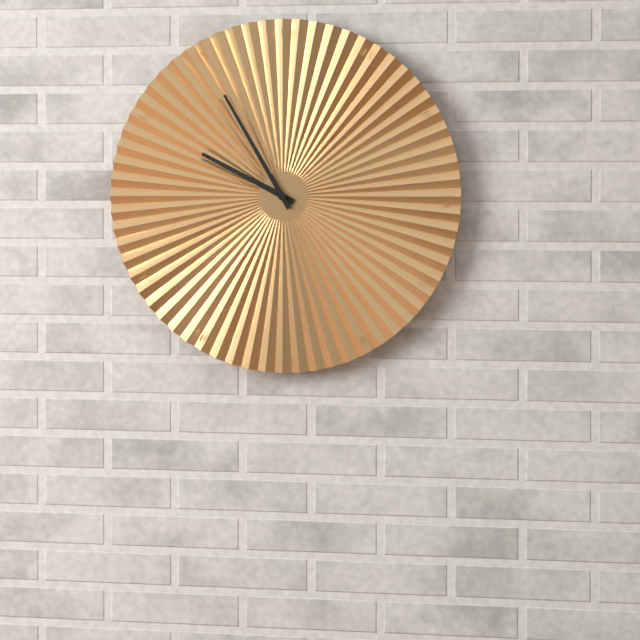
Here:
9,55
